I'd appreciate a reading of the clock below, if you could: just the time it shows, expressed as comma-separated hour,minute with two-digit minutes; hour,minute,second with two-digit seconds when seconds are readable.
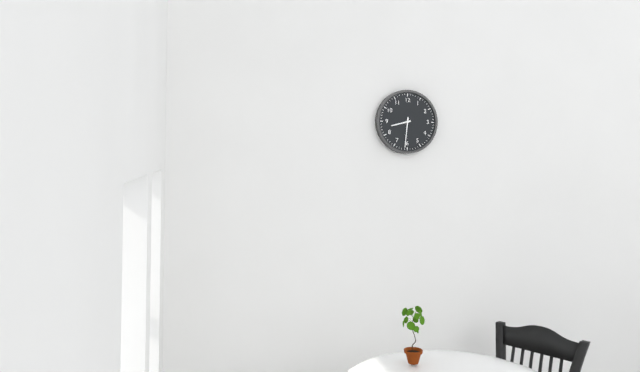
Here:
8,31
